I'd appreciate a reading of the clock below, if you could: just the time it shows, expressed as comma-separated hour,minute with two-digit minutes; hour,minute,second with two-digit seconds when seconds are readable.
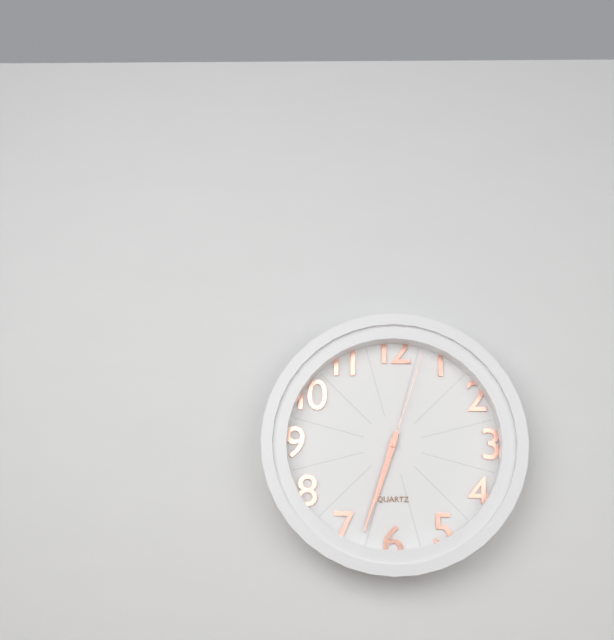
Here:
6,33,03
